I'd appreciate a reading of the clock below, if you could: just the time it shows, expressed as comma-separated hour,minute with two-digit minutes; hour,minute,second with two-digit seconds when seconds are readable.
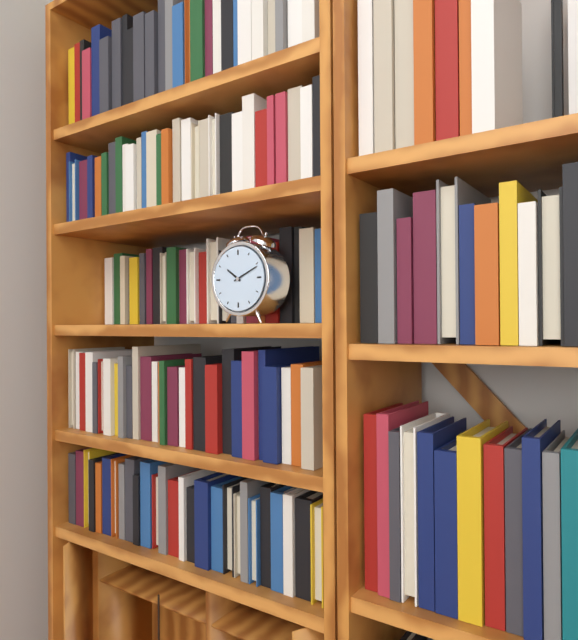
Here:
10,11
